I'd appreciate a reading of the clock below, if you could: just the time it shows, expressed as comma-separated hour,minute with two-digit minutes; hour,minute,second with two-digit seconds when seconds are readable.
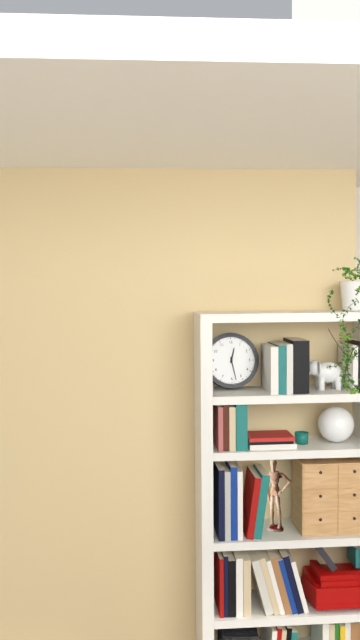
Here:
12,28
